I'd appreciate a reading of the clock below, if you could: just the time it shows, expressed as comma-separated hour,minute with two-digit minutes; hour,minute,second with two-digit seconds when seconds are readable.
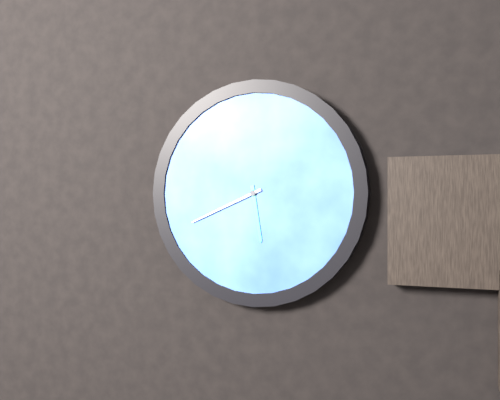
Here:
5,41
